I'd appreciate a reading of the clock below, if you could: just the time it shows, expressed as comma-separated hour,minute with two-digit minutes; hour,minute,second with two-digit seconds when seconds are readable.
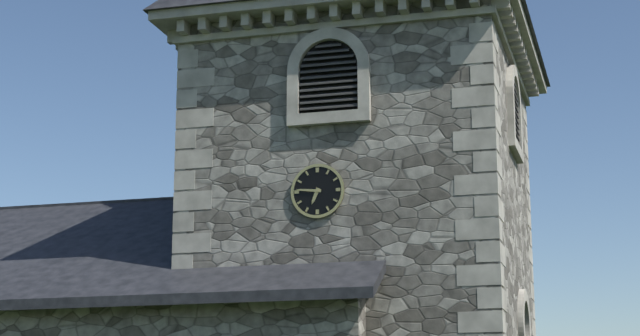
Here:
6,46
